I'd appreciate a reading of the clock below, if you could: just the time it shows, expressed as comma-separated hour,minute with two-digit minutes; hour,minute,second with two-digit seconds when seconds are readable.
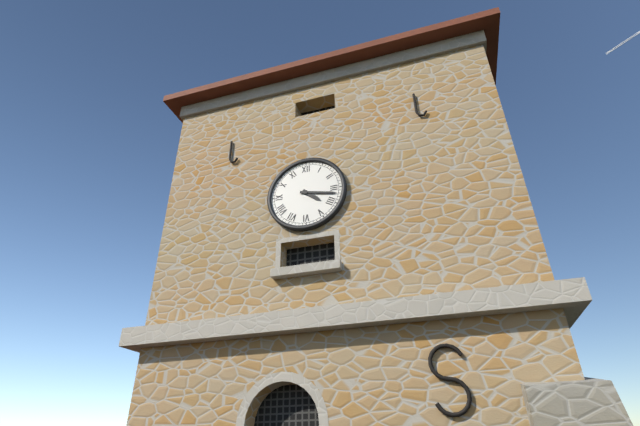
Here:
4,17
